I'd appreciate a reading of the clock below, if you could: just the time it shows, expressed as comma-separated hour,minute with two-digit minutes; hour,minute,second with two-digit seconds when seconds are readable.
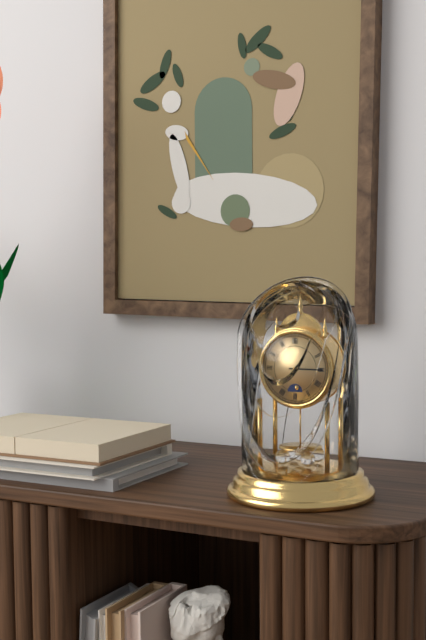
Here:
7,15
